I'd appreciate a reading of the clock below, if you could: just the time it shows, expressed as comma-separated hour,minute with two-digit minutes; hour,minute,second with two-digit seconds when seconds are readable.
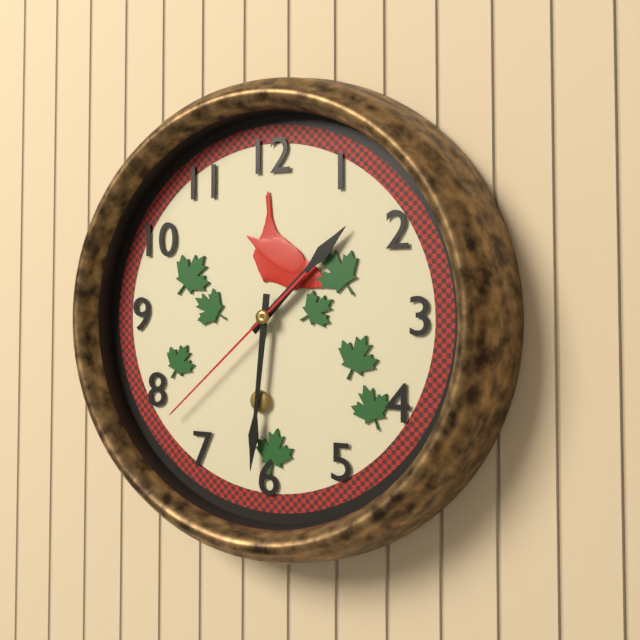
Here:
1,31,38
